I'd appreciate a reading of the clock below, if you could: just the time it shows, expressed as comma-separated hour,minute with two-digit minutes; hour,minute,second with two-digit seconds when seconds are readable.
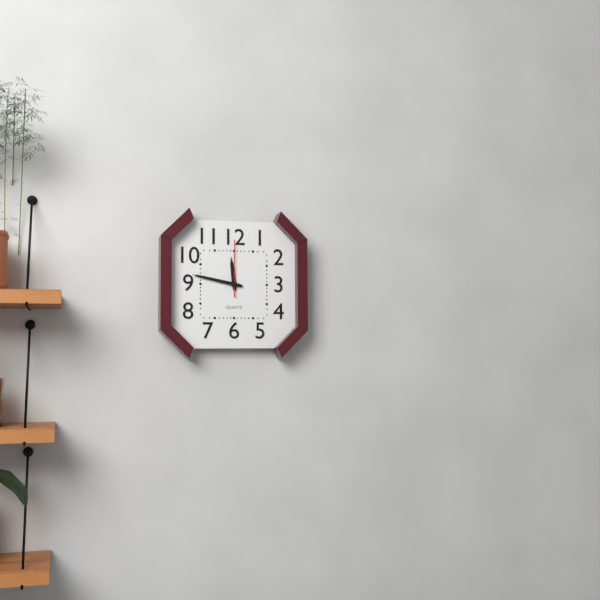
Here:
11,47,00
